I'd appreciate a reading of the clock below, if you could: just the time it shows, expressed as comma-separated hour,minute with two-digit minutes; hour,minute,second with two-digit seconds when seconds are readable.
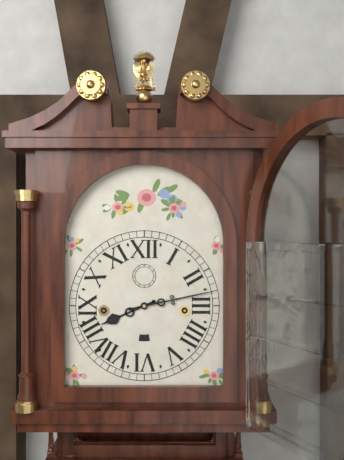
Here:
8,13
